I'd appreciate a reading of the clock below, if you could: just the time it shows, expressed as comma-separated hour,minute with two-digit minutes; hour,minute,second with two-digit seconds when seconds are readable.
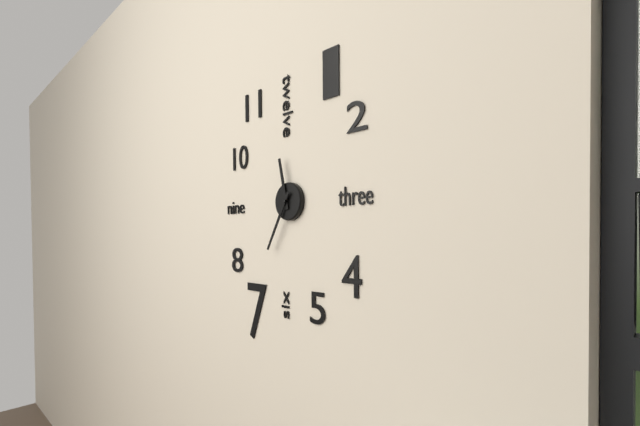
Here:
11,35
